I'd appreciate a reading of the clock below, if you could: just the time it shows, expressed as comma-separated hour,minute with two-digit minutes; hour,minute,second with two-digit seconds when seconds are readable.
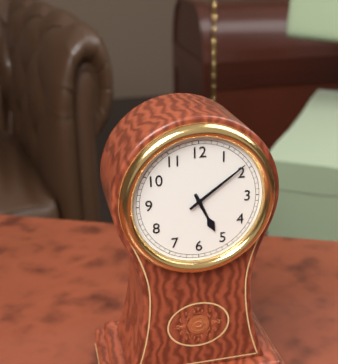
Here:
5,09
